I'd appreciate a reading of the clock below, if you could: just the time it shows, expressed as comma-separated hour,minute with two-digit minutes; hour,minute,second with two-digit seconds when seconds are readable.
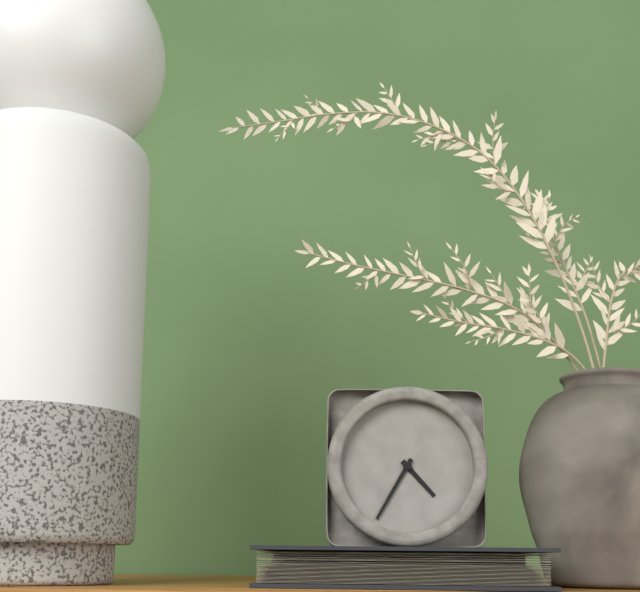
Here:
4,35
